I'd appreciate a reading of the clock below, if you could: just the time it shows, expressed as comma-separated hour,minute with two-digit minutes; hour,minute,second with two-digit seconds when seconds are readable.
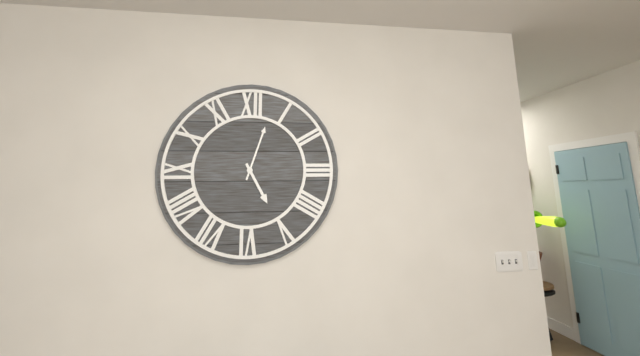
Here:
5,03
